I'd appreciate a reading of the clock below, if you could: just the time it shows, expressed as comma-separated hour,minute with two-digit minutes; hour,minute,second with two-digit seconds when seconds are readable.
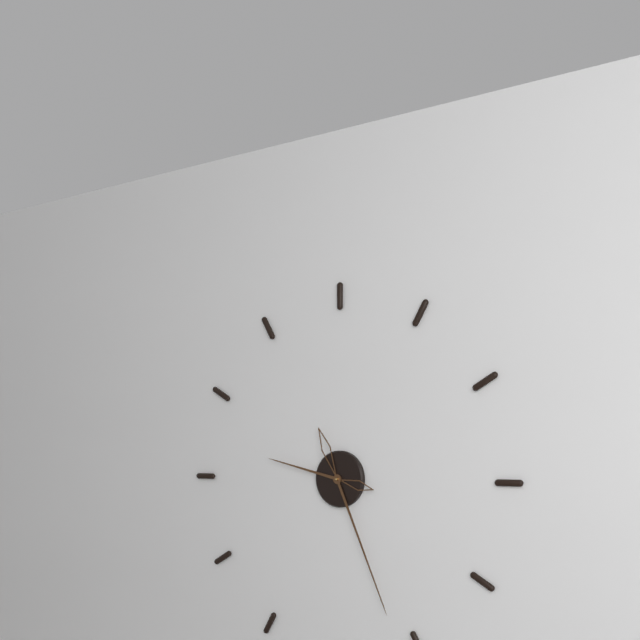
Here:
9,26
